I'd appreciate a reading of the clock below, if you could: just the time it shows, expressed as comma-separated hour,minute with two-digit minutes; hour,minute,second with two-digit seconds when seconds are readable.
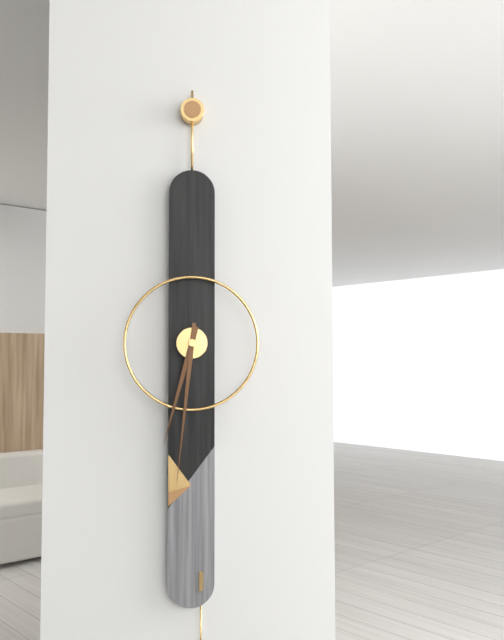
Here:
6,31
